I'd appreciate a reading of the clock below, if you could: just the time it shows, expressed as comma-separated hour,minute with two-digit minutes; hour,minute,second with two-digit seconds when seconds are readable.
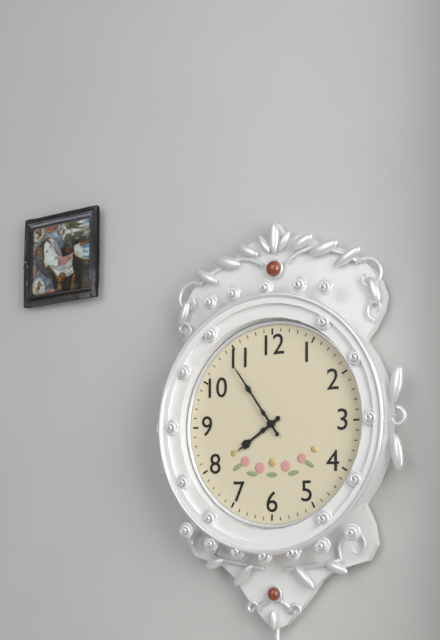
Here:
7,54
